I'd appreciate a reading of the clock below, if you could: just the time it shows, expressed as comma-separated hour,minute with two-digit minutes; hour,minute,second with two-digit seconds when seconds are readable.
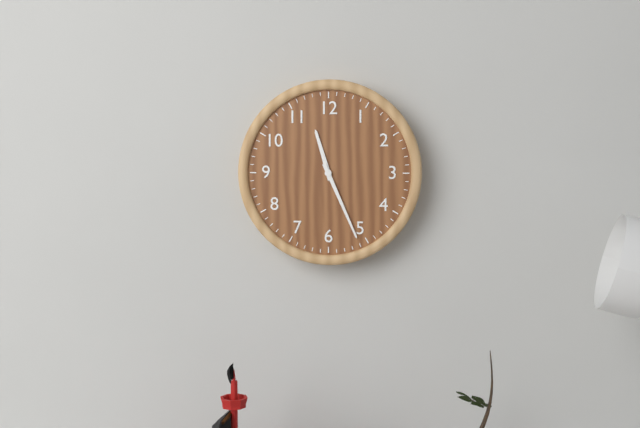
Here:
11,26
